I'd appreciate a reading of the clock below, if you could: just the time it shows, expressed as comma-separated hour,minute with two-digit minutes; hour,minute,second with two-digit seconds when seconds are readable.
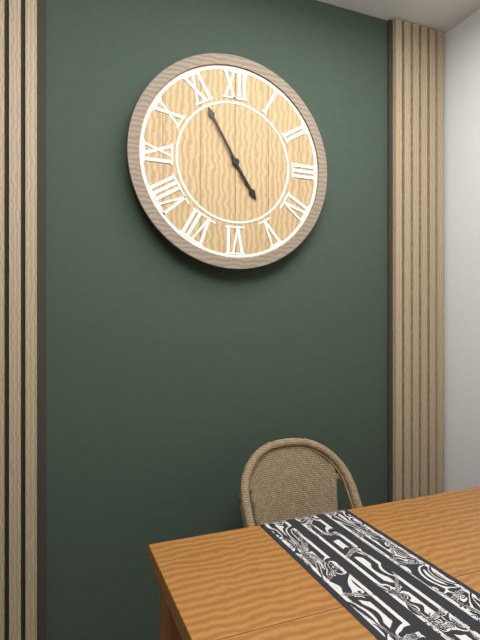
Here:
4,55
